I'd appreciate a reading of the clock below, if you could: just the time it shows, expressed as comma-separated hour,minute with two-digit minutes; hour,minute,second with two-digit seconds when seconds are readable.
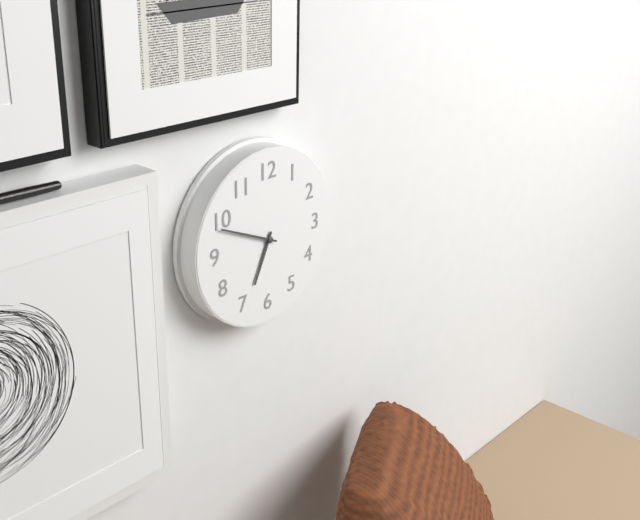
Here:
6,49
